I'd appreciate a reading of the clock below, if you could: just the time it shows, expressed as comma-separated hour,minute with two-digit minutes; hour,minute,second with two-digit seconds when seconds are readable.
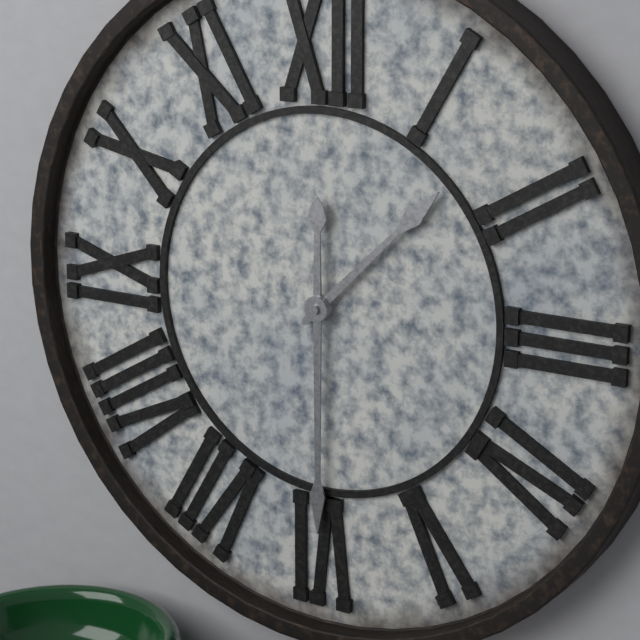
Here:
1,30
